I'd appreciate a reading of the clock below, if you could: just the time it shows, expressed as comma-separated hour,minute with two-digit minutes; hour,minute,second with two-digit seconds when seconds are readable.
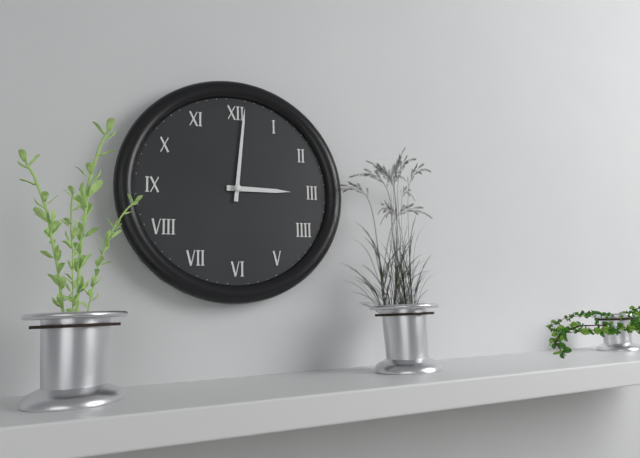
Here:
3,01
